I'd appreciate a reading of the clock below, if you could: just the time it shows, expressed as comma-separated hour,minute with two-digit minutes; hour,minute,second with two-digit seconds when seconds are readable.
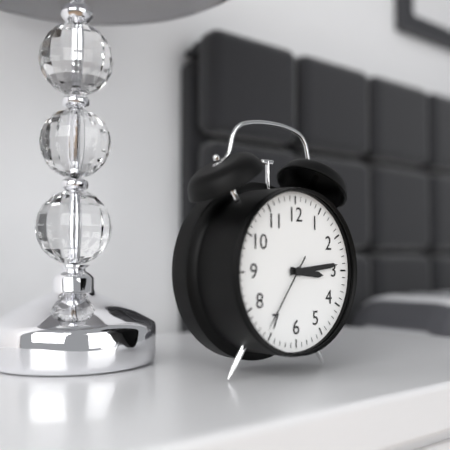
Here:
3,14,36
